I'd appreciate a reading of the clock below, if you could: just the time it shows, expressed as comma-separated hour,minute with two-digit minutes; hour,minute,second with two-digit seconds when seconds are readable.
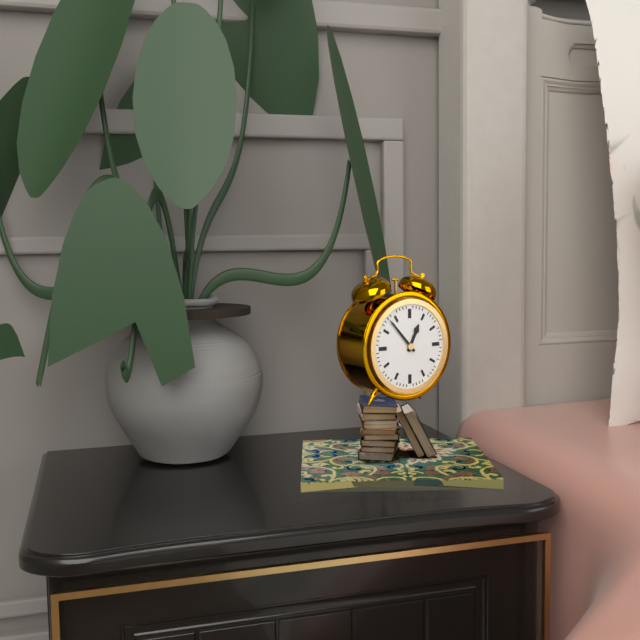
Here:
12,53
